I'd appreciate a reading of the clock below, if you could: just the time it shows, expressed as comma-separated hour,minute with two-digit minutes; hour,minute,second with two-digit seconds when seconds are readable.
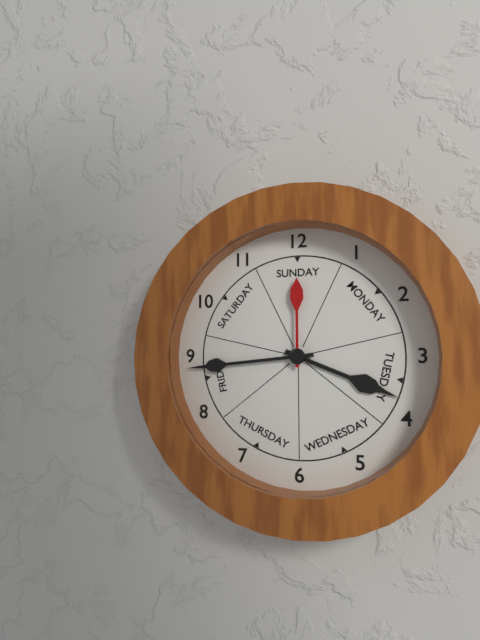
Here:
3,44,00
